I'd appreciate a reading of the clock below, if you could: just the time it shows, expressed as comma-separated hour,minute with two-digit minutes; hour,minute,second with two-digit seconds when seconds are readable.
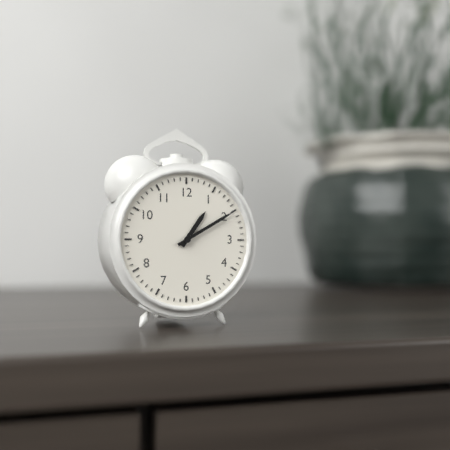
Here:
1,10
